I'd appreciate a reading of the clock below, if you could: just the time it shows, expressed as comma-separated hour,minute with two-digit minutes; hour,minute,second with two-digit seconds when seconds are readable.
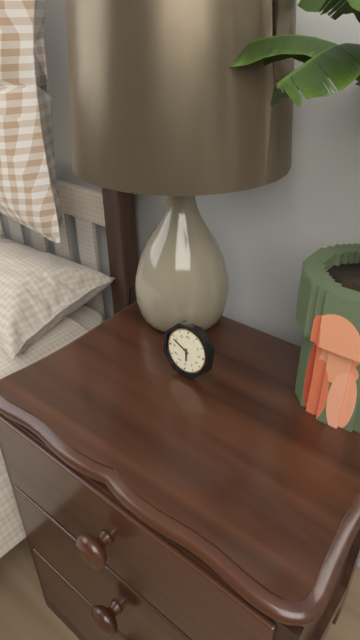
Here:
5,49
